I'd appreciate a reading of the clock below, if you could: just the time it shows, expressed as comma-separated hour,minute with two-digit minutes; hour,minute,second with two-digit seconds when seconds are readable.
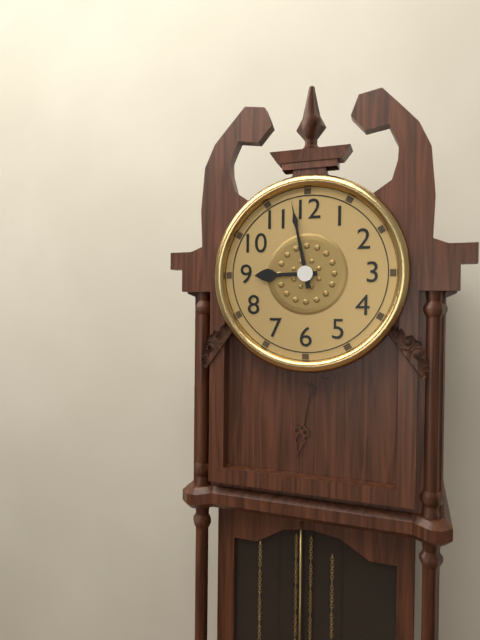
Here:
8,58
